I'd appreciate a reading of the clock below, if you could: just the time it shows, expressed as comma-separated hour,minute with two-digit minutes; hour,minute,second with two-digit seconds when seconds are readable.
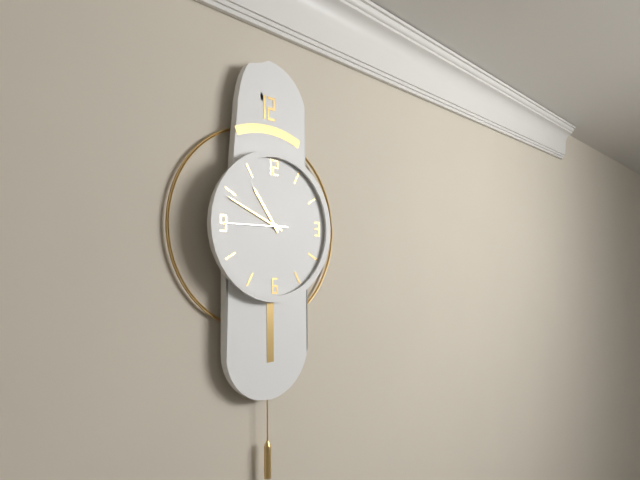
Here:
10,49
